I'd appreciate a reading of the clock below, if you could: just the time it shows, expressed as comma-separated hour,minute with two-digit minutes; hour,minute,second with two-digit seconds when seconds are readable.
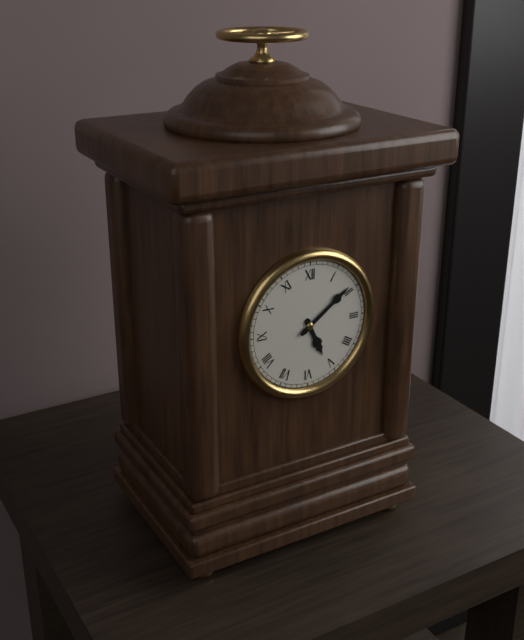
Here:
5,09
